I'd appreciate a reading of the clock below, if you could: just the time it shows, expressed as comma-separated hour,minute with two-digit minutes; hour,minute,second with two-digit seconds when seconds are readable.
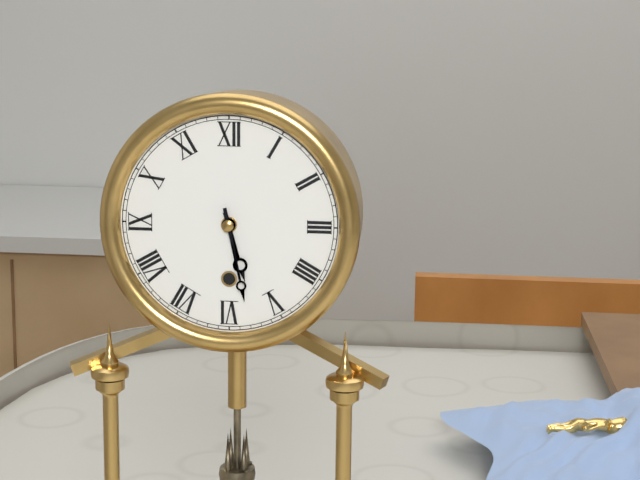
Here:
5,28
